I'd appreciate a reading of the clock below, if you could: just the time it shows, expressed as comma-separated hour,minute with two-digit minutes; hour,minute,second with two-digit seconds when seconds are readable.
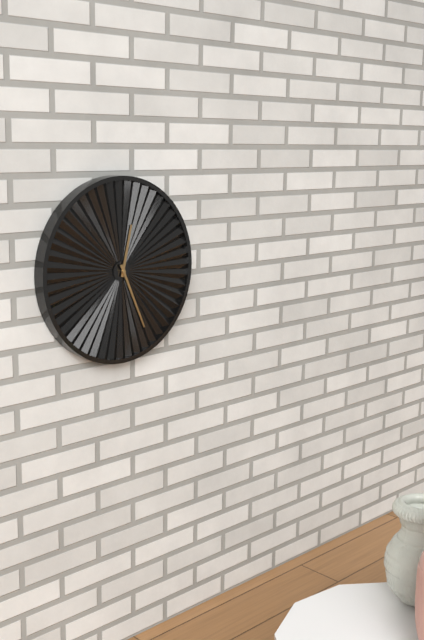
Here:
12,26
